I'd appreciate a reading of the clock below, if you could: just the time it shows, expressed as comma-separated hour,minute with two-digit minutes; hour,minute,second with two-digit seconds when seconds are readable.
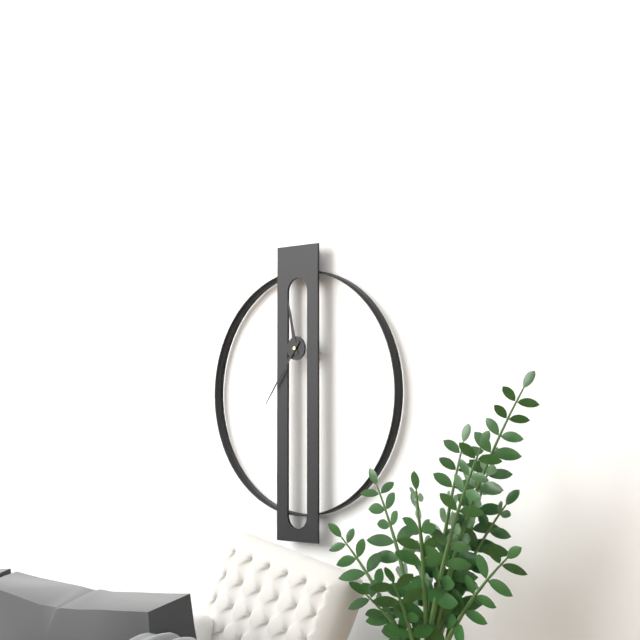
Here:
11,36
